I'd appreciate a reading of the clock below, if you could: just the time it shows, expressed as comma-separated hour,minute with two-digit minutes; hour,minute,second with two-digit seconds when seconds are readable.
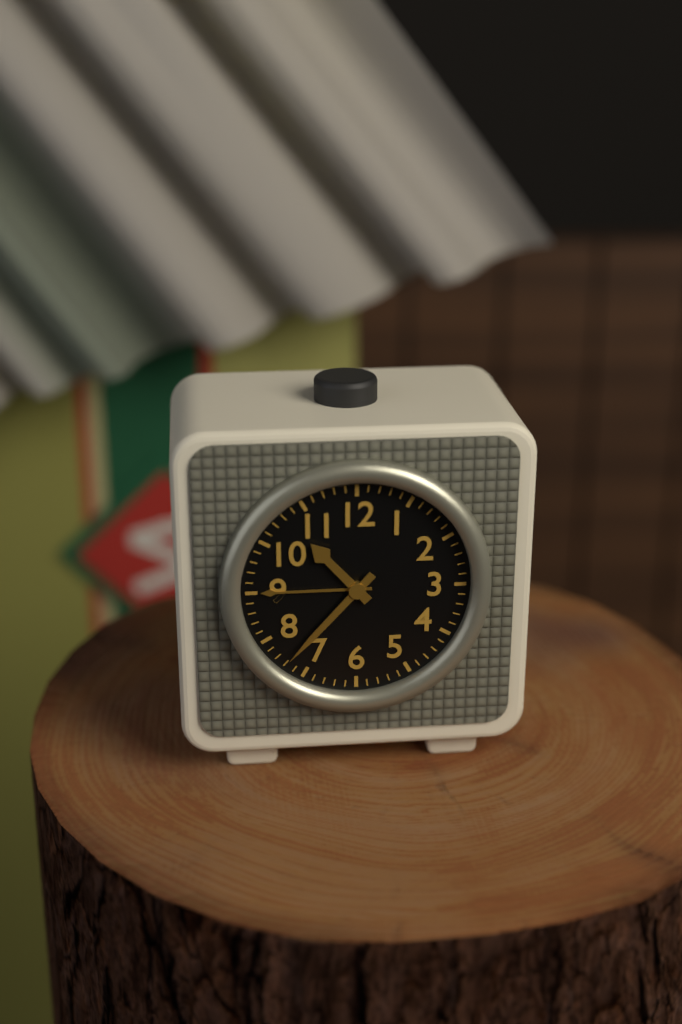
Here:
10,37
